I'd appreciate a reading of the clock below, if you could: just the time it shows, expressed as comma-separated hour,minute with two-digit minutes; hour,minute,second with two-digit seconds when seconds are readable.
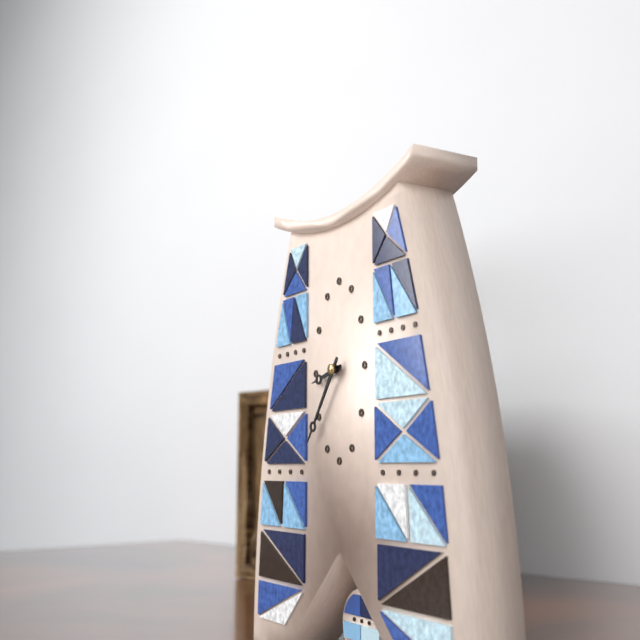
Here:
8,36
